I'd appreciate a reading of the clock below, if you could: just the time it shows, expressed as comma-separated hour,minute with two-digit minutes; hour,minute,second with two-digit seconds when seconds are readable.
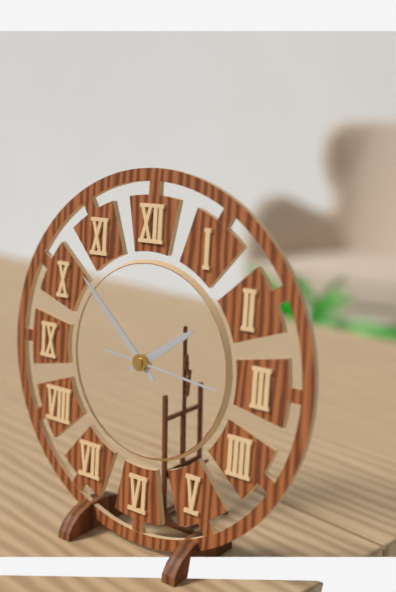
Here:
1,52,16
